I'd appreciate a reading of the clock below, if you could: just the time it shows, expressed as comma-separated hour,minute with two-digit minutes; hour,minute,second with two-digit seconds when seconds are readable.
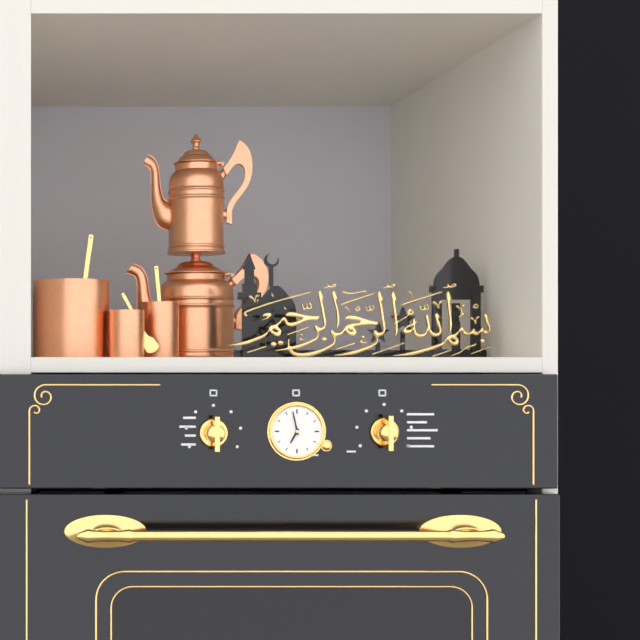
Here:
6,58
